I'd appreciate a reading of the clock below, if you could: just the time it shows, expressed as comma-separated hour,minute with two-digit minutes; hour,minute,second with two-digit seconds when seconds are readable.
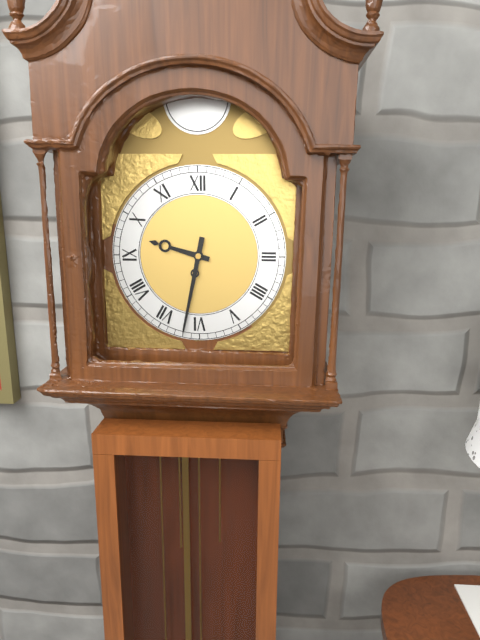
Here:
9,32
